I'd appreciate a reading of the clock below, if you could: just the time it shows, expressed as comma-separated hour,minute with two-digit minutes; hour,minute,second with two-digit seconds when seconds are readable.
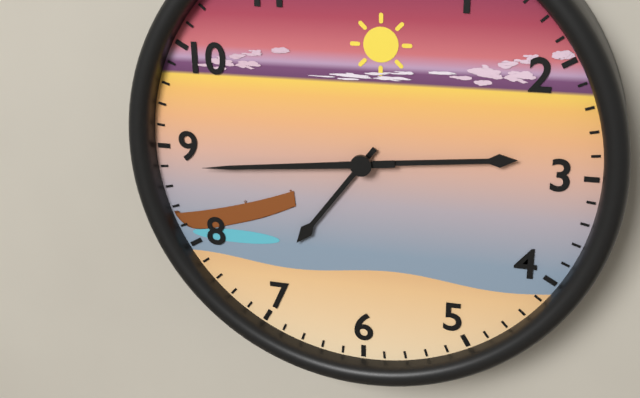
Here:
7,14,44
